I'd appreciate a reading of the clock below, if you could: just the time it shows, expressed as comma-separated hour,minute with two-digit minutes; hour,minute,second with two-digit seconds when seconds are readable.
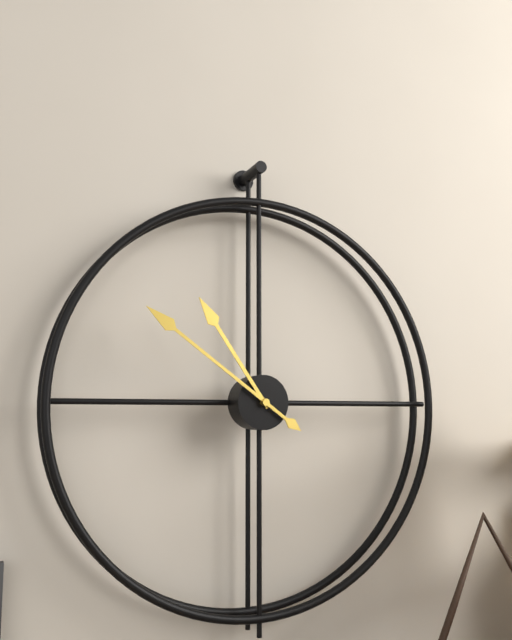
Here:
10,51
